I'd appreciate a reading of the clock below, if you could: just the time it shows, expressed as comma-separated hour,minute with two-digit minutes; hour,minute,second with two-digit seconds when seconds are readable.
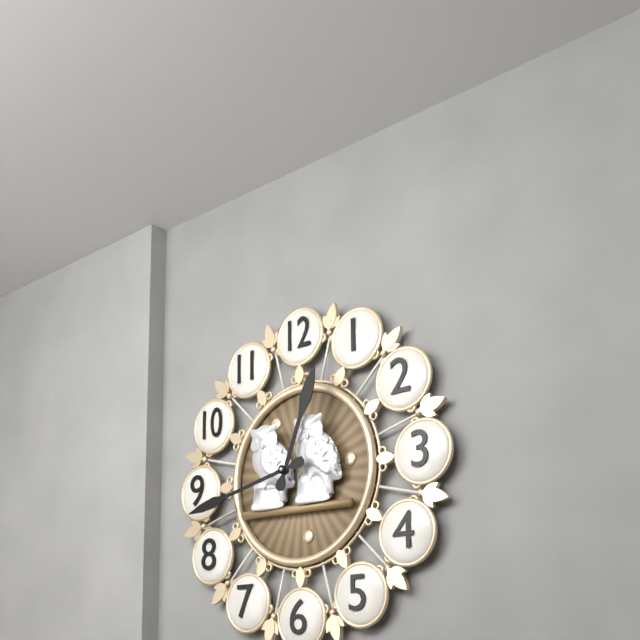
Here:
12,43
